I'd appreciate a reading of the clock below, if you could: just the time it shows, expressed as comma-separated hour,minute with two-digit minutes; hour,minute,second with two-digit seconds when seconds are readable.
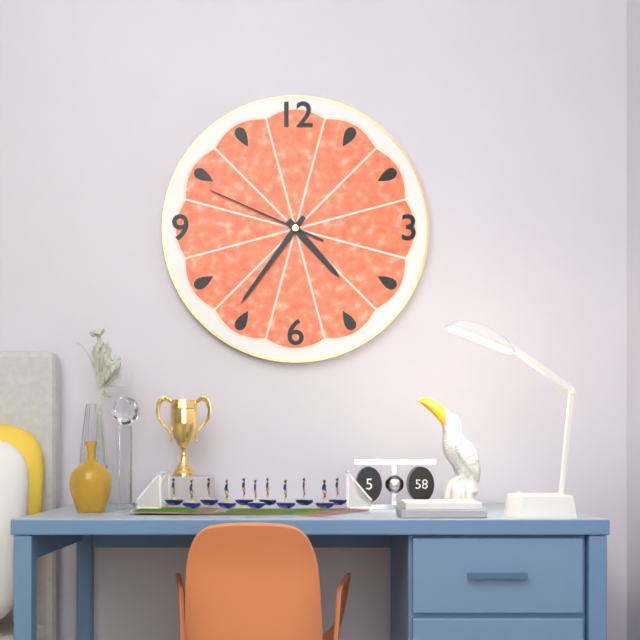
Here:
4,36,49
